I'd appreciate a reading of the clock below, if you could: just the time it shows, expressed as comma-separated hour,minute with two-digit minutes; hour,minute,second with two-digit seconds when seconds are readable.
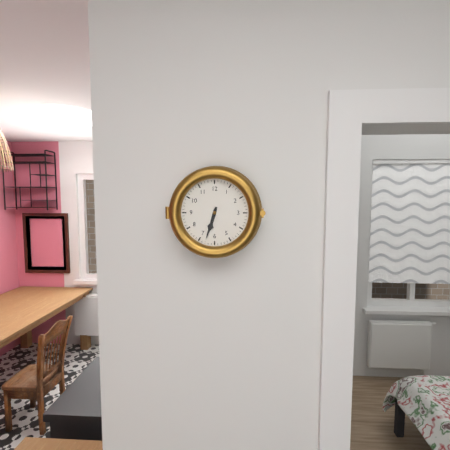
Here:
6,33
